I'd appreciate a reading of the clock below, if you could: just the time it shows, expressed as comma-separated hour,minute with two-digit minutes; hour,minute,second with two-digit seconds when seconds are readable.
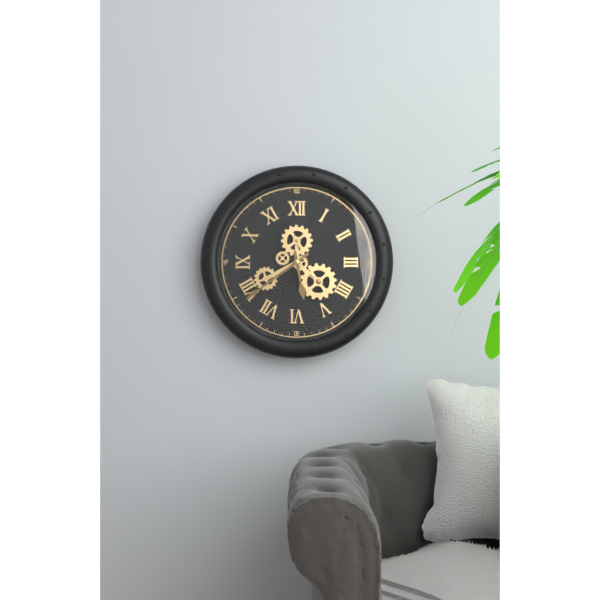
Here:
5,39
